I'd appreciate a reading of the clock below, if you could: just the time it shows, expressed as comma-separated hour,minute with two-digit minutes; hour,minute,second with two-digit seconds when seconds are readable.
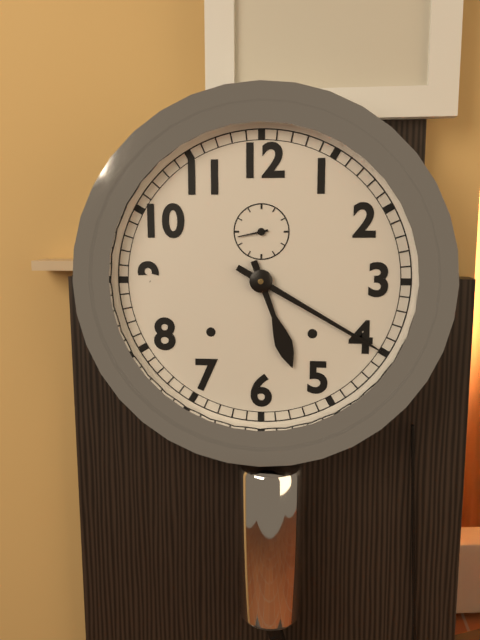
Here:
5,20
